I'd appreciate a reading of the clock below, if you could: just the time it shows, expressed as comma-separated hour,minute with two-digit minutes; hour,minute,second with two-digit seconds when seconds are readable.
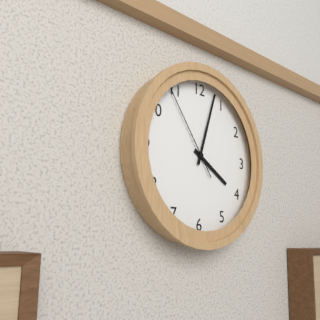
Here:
4,03,54
